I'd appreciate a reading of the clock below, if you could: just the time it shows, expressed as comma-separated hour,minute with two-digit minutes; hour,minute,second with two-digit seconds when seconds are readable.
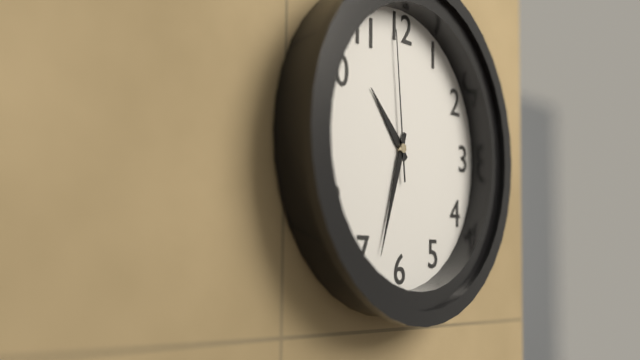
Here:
10,33,59
